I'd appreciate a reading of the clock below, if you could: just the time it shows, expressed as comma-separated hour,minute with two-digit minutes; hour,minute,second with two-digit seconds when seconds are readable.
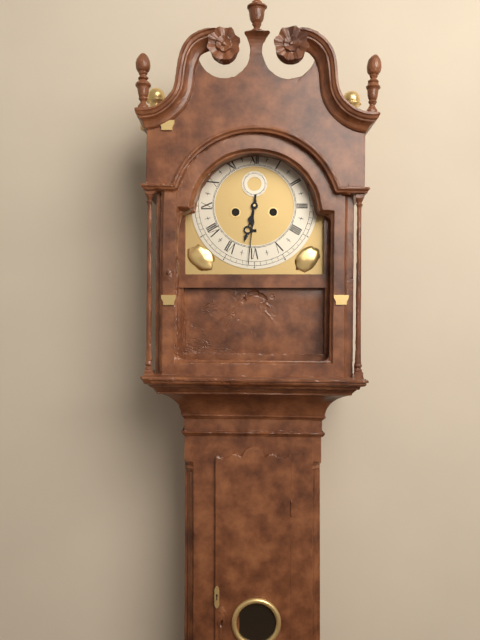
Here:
6,31
